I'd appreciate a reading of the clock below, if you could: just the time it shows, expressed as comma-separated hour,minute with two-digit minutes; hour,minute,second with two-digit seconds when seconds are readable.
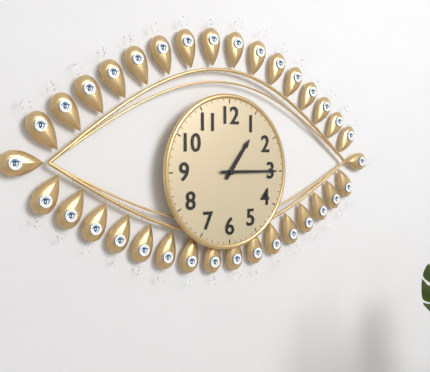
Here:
1,15
